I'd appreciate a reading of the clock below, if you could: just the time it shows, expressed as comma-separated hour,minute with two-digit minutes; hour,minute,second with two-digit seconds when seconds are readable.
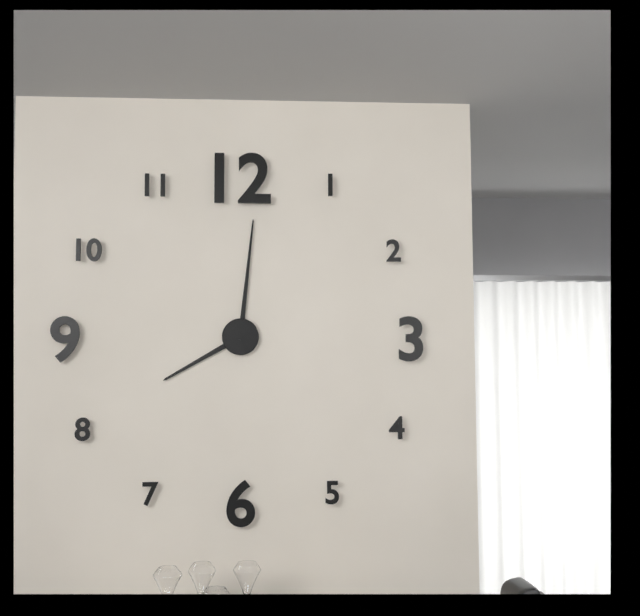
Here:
8,01
